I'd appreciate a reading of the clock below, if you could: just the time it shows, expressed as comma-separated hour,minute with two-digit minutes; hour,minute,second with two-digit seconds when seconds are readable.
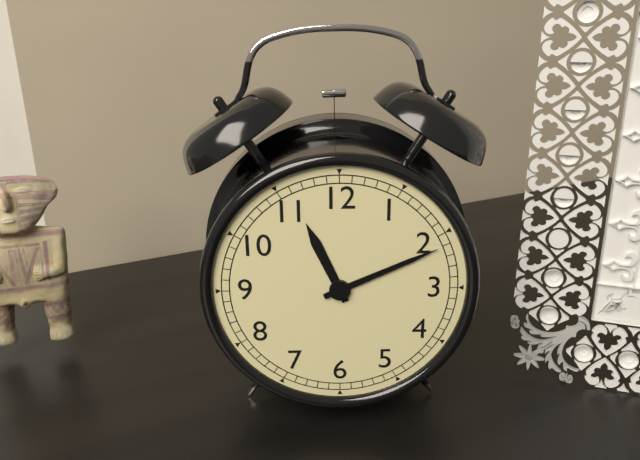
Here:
11,11
